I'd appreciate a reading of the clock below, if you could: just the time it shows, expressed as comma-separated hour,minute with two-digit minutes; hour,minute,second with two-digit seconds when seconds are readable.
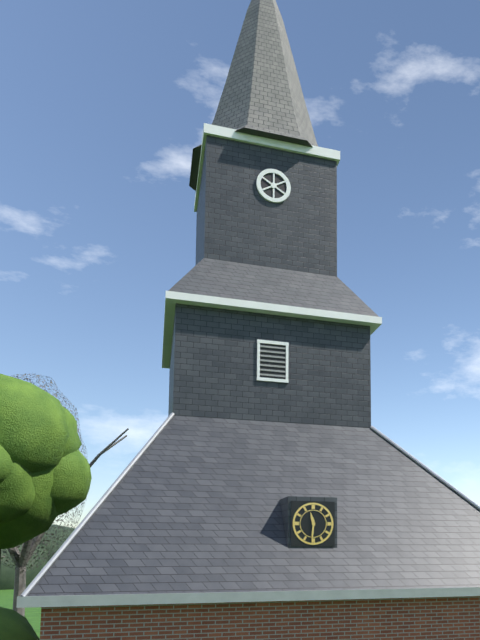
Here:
11,31
